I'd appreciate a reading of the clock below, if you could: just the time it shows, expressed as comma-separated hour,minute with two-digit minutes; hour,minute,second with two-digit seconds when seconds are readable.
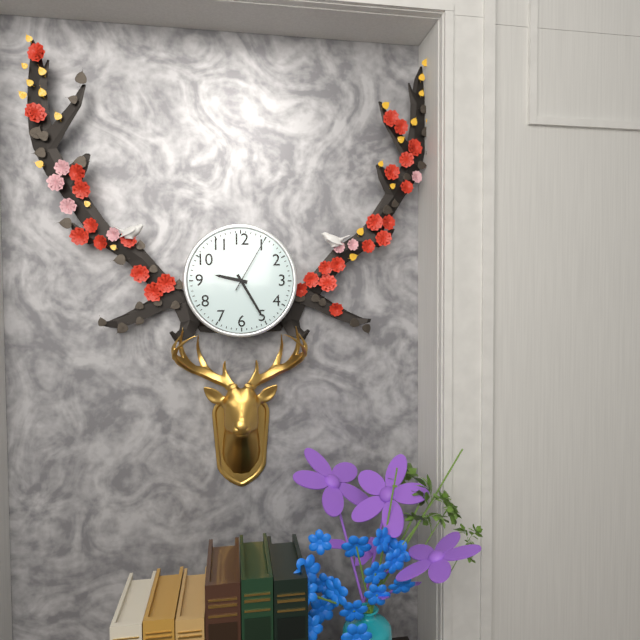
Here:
9,25,05
